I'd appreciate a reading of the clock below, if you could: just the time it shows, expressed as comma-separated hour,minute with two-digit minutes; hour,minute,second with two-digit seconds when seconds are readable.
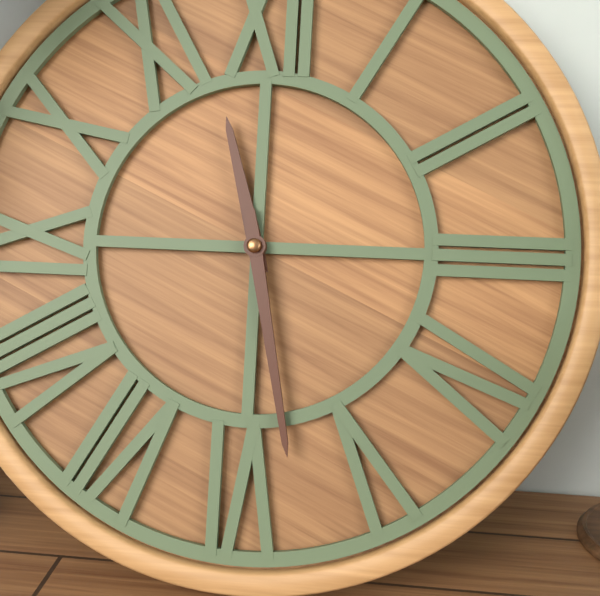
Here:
11,28
